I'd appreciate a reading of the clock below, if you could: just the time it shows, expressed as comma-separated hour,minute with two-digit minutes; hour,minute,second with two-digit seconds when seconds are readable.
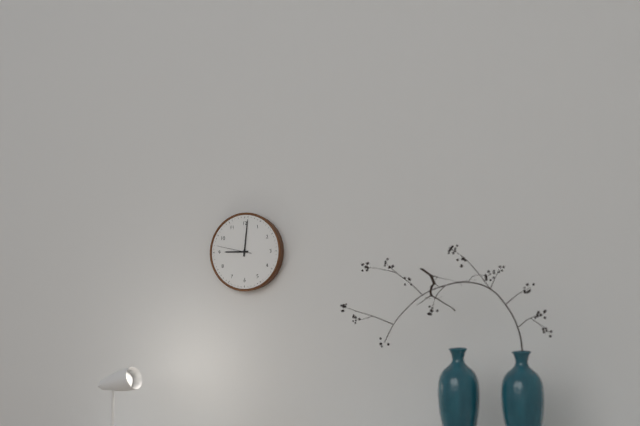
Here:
9,01
